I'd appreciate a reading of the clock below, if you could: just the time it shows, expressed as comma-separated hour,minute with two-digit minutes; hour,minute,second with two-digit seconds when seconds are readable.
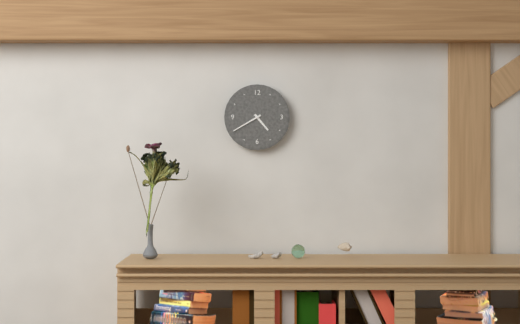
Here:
4,40
